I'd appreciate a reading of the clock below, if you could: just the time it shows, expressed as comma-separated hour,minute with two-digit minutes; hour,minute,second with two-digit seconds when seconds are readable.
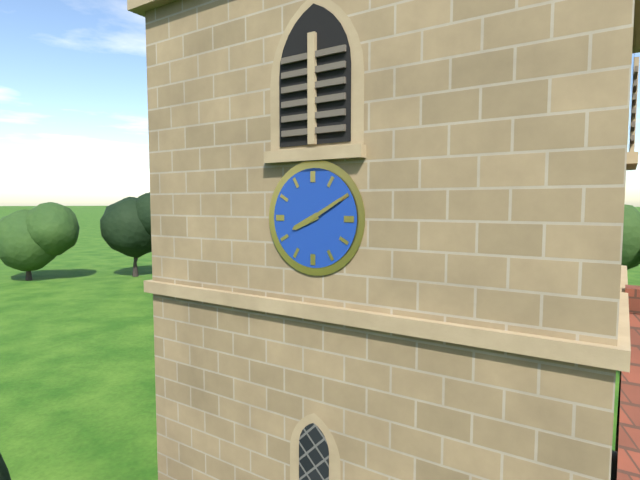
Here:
8,10
